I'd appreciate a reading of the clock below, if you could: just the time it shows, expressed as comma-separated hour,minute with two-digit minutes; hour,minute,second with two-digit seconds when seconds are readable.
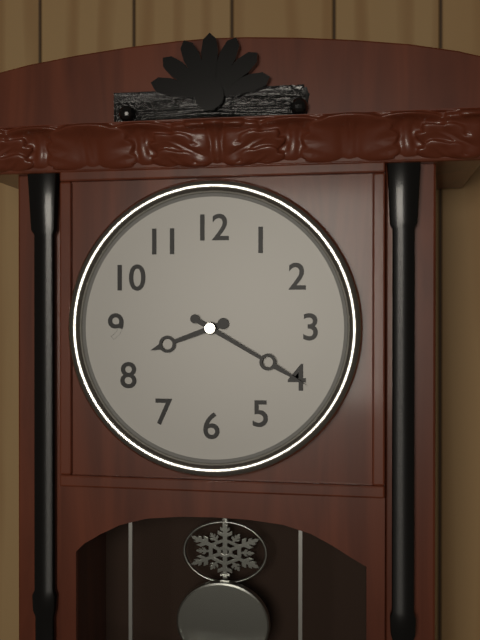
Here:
8,20
